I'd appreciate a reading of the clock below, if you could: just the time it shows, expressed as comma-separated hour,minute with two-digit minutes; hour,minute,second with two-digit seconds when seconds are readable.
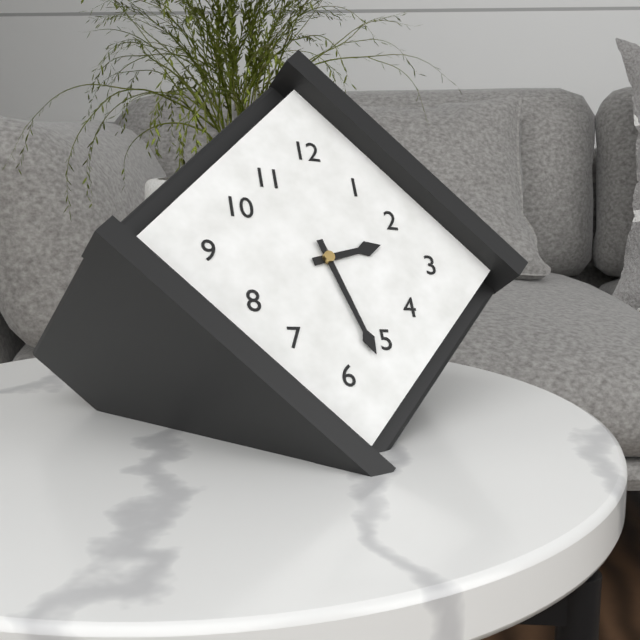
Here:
2,27
